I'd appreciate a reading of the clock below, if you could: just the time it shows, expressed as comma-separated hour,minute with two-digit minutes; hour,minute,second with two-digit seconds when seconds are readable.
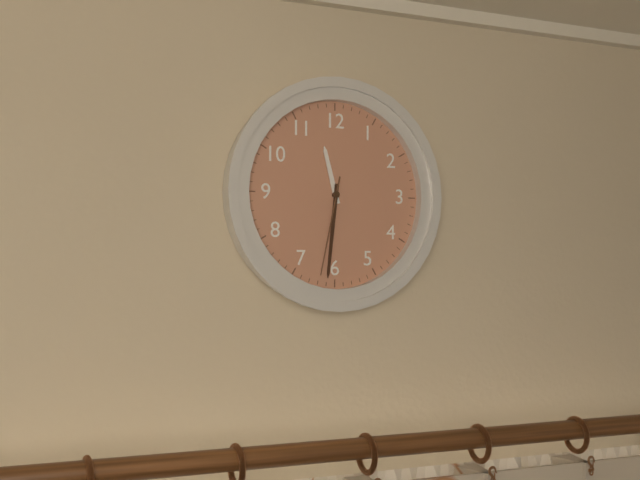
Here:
11,31,32
